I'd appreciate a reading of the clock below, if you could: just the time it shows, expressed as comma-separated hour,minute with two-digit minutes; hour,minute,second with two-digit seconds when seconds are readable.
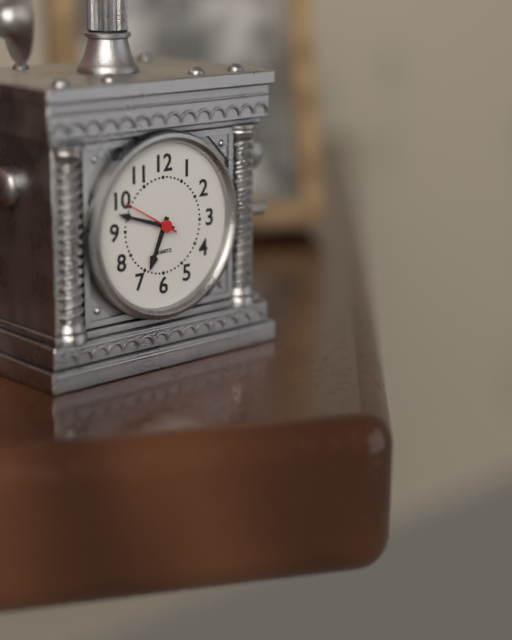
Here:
6,48,50
